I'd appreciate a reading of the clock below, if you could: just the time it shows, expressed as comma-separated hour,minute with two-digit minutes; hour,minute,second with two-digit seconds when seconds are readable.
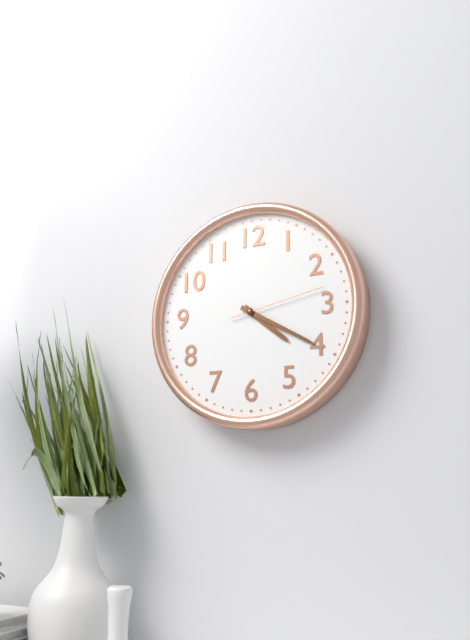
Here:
4,20,13
